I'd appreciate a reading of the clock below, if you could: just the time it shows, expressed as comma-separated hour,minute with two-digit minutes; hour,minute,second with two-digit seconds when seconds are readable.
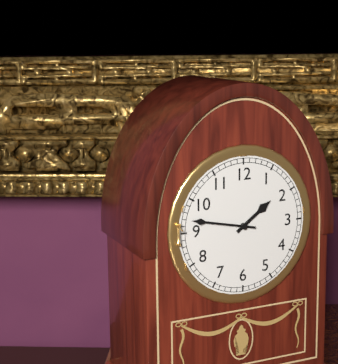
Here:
1,47
